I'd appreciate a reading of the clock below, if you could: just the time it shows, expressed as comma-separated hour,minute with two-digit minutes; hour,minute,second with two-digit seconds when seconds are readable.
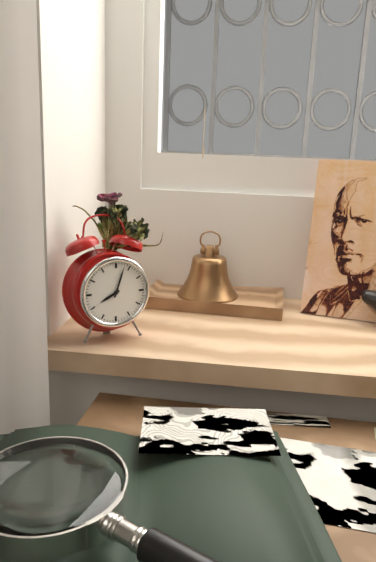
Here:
8,03
